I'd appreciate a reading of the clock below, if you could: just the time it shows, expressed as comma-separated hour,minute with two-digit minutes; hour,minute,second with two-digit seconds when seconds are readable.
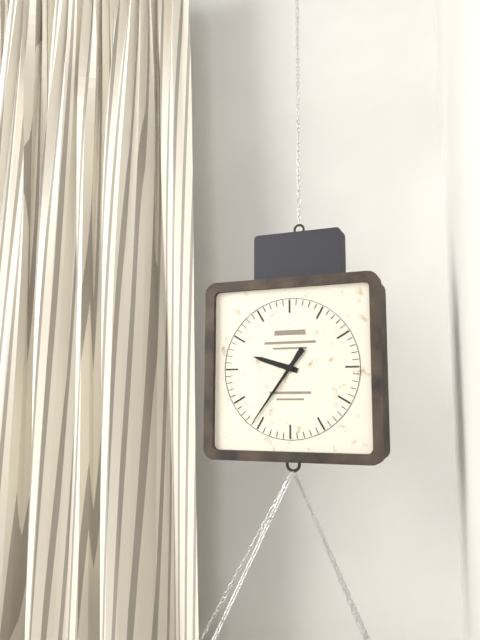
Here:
9,36
